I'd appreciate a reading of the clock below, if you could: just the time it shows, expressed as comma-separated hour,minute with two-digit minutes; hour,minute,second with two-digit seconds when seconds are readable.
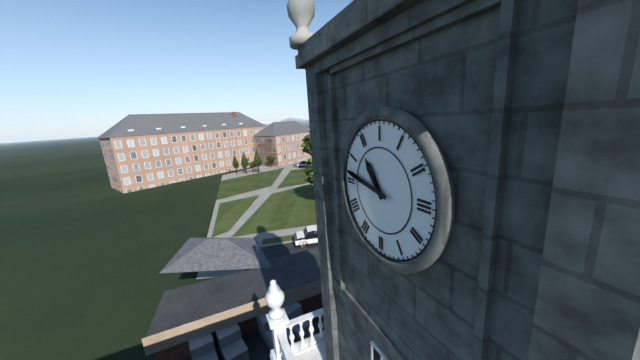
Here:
10,47
